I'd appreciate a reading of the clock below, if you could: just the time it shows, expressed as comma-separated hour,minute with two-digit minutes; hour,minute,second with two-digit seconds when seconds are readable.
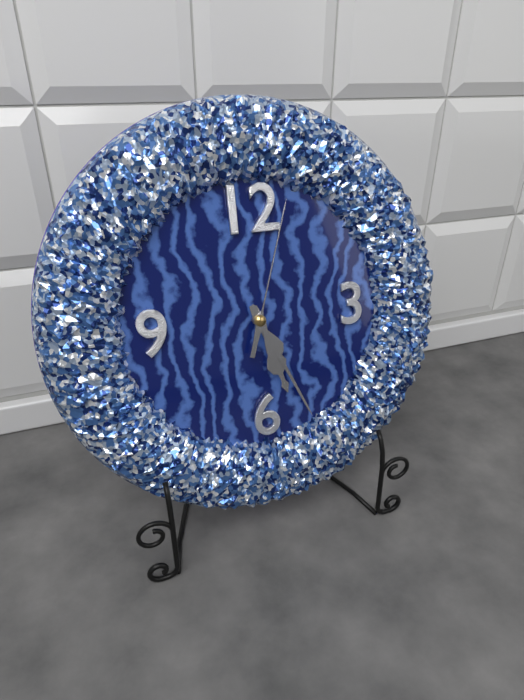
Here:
5,26,03
